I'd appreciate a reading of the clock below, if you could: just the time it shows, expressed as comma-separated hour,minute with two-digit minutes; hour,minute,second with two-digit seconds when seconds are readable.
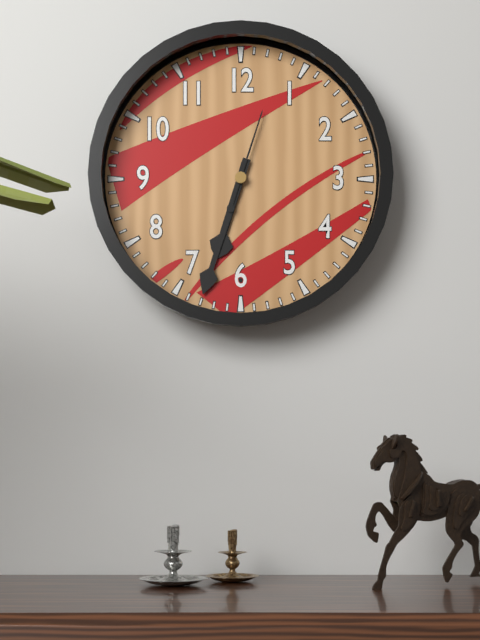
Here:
6,33,03
